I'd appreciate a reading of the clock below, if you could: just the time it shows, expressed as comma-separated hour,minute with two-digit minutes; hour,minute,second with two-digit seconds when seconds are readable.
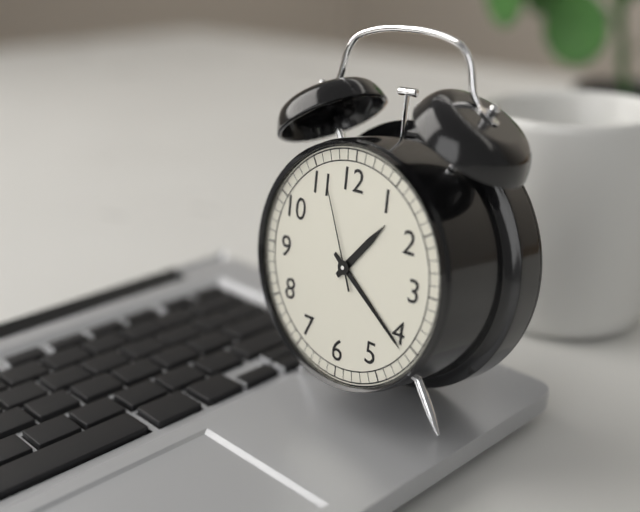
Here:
1,21,56
